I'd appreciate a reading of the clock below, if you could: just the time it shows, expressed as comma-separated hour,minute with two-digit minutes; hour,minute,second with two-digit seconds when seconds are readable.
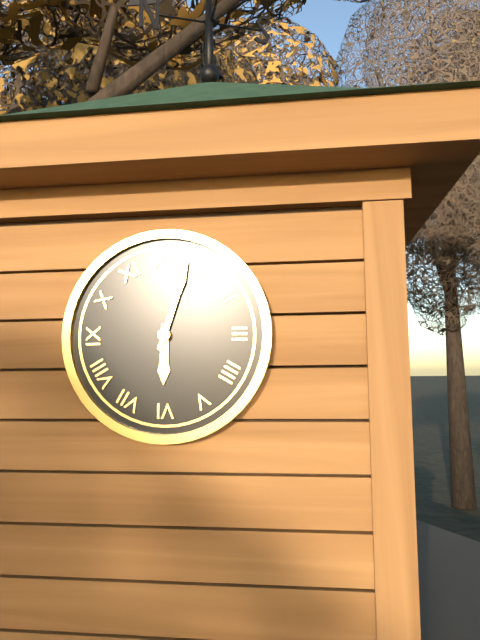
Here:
6,03
